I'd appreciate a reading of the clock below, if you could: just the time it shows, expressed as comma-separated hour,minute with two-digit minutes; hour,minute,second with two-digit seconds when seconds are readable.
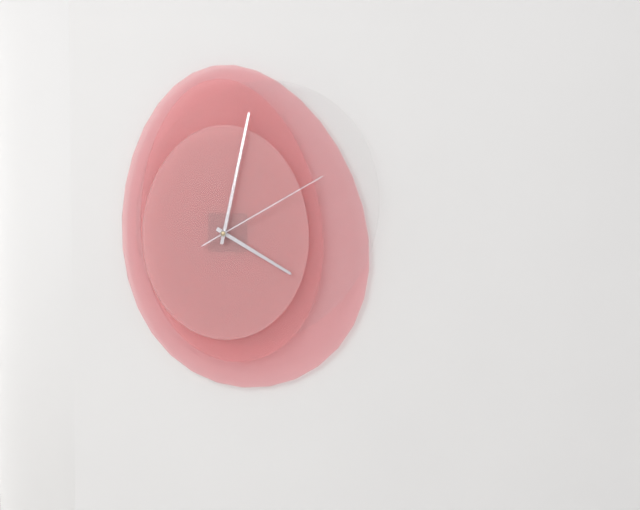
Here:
4,02,10
